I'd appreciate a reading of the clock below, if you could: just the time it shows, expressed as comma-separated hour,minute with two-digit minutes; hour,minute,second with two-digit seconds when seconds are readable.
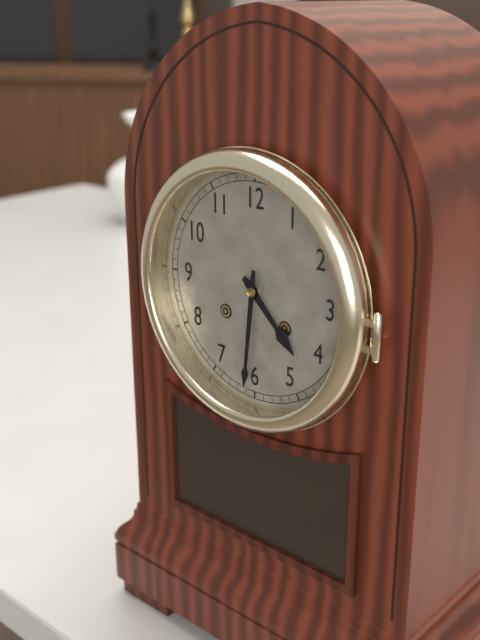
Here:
4,31
